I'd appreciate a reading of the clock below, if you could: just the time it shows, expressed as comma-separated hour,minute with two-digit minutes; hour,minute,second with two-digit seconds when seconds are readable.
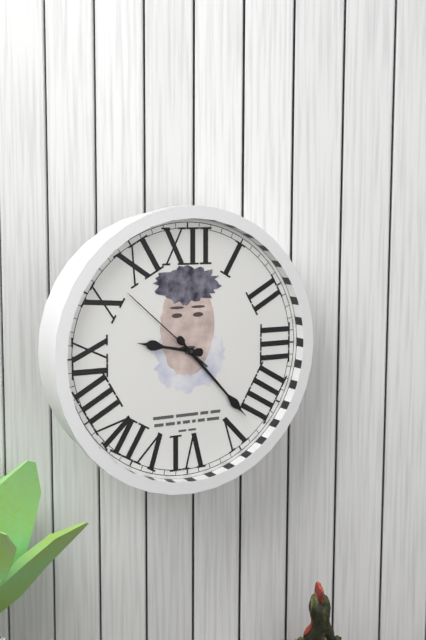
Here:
9,23,52
